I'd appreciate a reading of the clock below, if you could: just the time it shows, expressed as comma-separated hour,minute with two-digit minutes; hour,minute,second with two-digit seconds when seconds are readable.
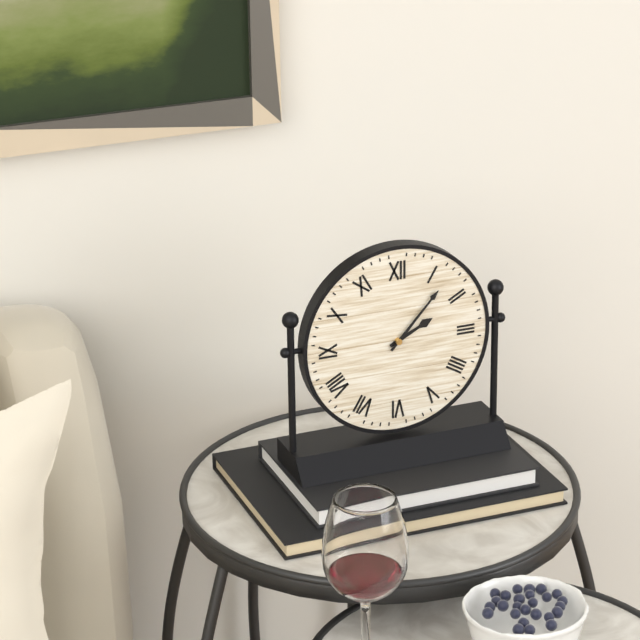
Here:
2,07
